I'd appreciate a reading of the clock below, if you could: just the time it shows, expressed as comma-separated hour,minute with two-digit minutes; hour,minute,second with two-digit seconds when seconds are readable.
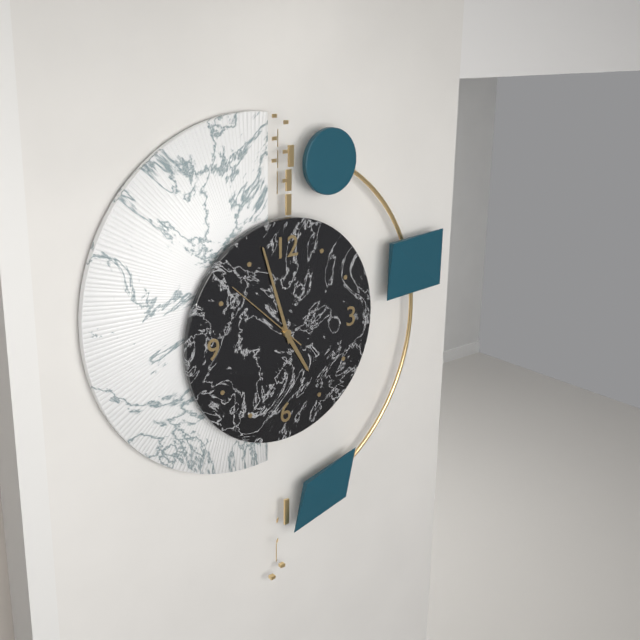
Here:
4,57,52
